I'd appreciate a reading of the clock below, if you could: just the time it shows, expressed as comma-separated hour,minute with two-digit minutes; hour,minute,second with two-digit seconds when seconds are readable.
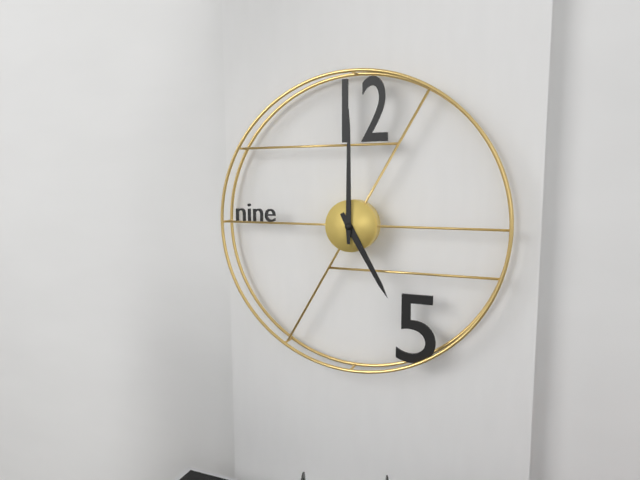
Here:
5,00
